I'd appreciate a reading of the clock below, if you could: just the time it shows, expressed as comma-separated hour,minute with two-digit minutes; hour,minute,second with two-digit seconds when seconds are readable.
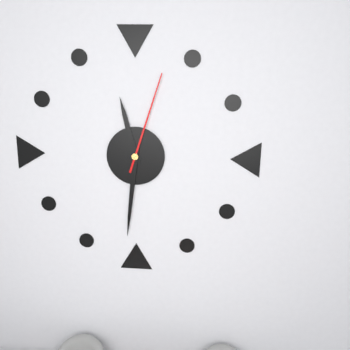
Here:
11,31,03
